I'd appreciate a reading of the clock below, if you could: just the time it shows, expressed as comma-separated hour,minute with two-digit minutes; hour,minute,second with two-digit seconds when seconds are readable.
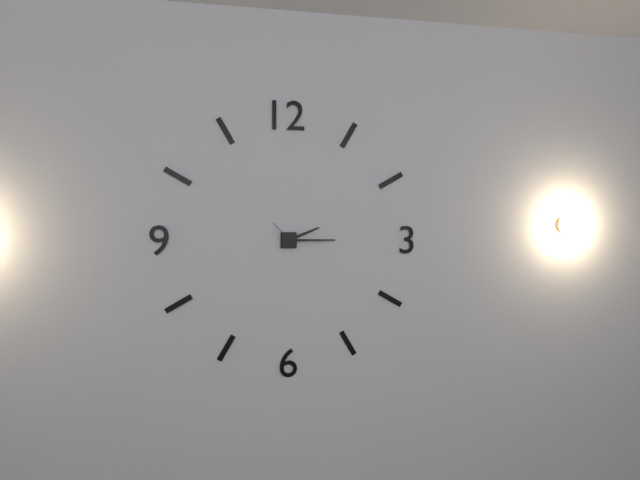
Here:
2,15
